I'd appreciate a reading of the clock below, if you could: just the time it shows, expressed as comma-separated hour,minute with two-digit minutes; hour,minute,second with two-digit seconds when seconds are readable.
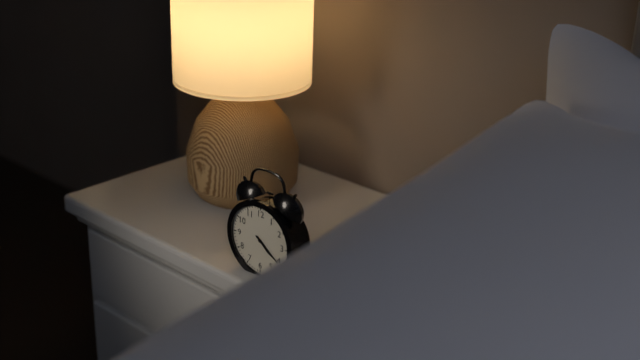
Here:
4,21
